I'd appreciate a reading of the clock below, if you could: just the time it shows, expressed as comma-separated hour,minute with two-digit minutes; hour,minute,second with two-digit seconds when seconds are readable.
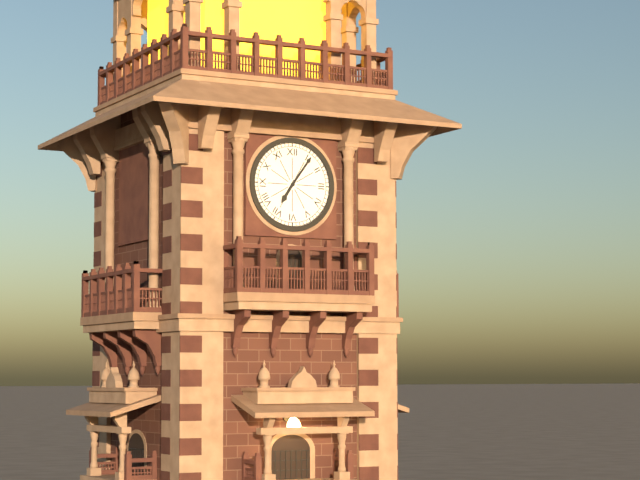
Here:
7,06
